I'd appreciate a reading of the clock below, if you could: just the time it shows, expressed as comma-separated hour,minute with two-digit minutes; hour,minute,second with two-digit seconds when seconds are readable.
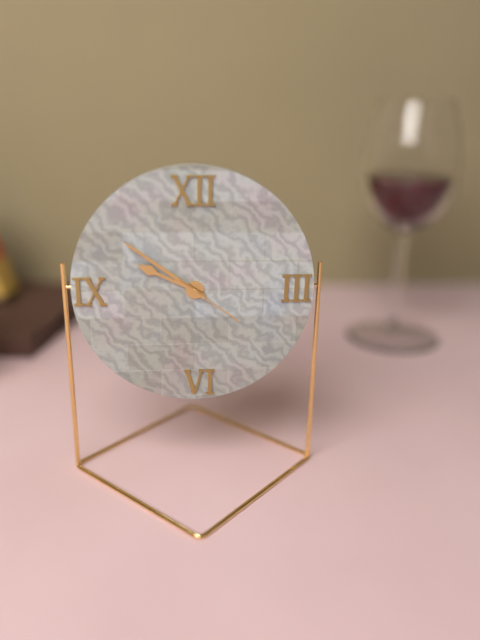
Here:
9,51,21
